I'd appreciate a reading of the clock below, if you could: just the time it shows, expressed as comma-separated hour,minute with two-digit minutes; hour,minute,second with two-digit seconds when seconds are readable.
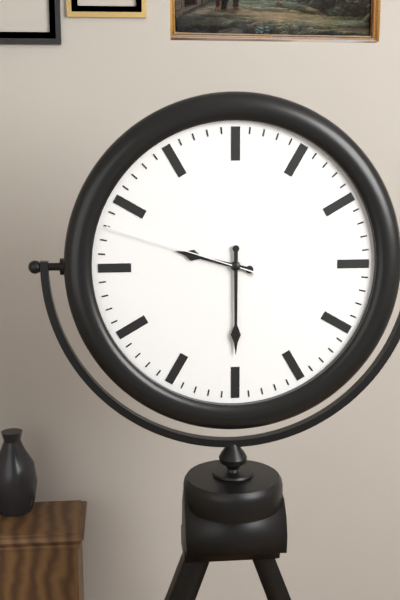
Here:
9,30,48
